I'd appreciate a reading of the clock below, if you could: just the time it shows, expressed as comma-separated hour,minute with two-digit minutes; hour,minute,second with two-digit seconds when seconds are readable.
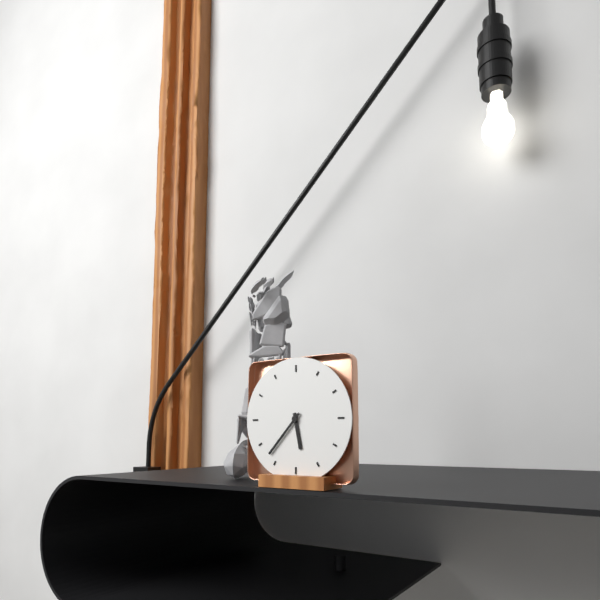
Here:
5,37
